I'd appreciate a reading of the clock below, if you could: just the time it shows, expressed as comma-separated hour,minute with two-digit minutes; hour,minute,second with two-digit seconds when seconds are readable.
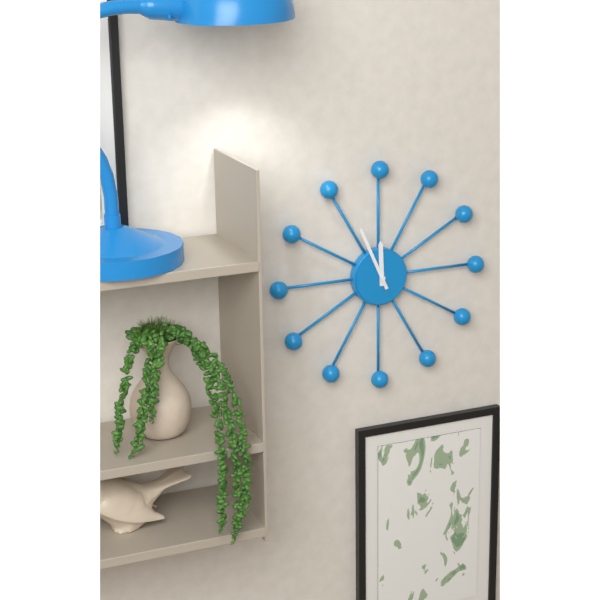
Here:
11,56
